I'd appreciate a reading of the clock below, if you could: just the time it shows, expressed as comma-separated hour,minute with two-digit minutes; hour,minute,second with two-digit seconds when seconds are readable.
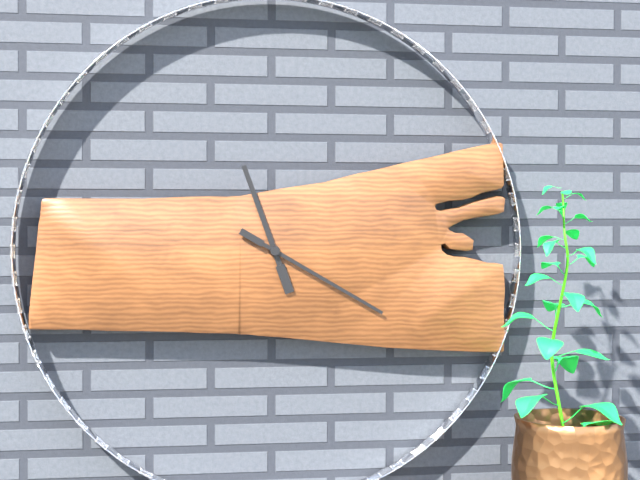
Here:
11,20
